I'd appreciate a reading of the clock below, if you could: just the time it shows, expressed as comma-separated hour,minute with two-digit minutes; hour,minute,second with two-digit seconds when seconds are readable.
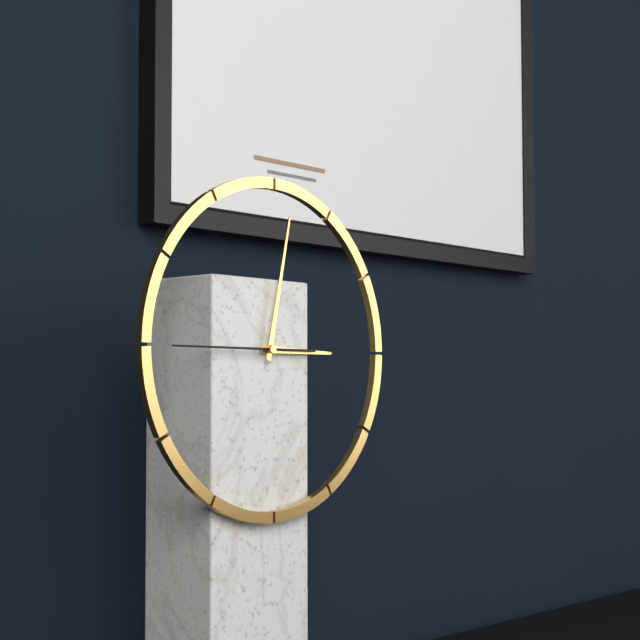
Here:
3,02,45
